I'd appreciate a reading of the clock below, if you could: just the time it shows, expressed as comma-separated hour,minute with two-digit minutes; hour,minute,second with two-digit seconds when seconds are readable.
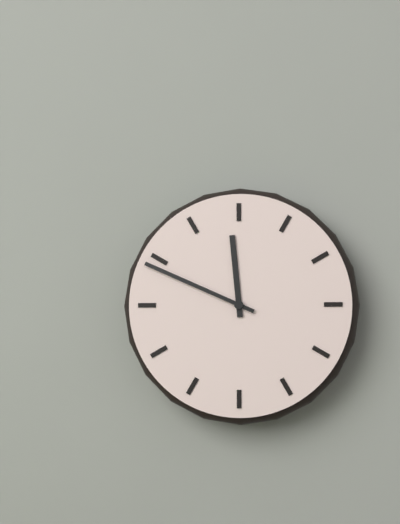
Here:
11,49
